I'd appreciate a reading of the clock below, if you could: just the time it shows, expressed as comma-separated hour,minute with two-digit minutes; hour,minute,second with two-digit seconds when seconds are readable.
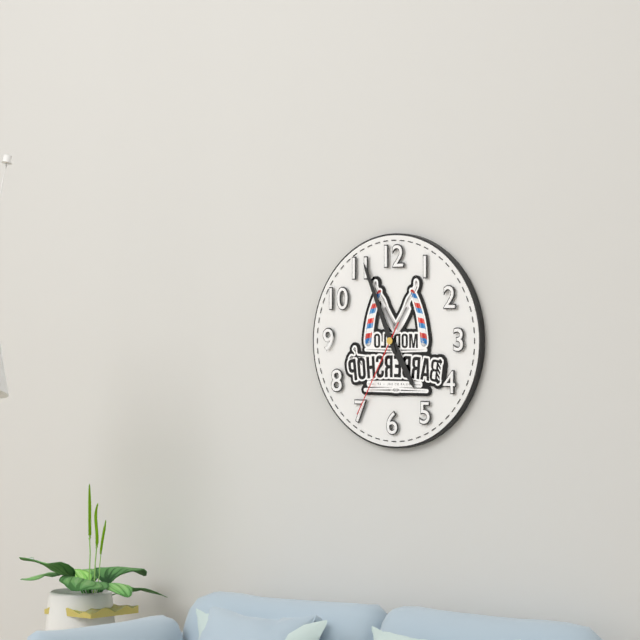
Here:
4,56,35
